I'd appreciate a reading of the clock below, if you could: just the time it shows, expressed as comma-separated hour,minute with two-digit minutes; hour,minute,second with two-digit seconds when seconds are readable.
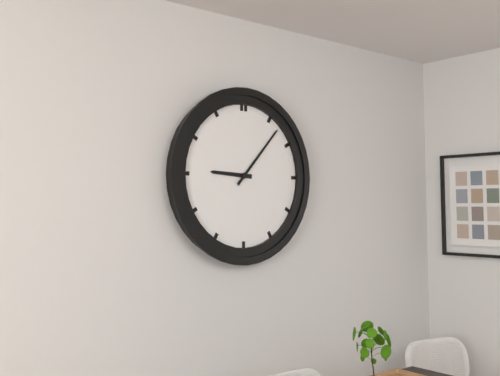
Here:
9,07
